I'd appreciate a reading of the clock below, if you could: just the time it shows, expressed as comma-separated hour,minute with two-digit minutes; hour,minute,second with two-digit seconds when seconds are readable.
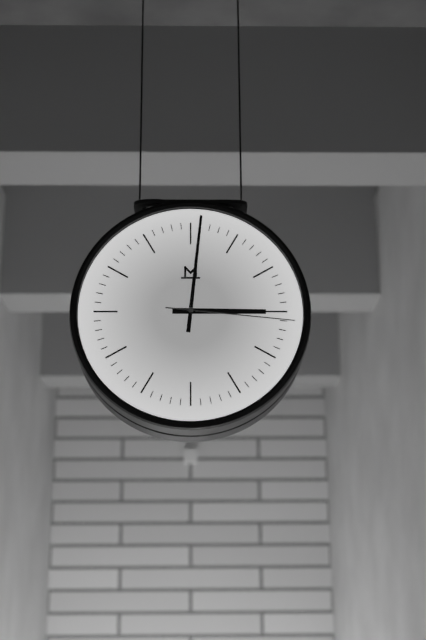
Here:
3,01,16
